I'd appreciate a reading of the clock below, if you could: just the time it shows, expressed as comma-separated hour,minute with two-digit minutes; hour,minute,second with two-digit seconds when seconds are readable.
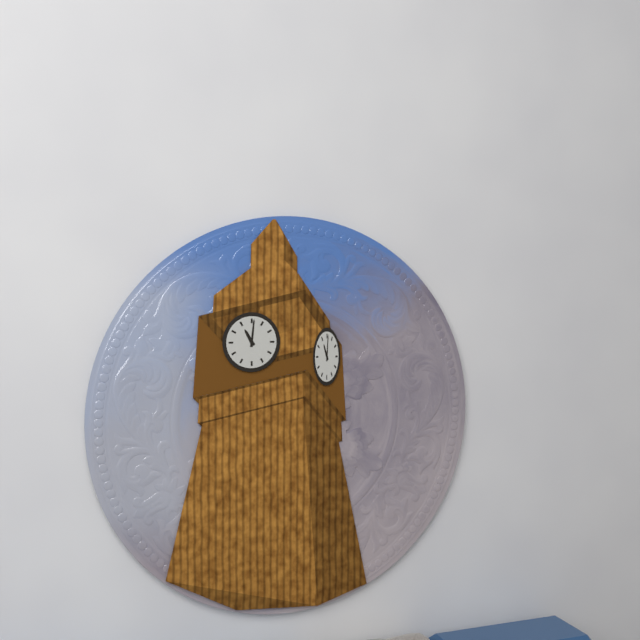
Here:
11,01
